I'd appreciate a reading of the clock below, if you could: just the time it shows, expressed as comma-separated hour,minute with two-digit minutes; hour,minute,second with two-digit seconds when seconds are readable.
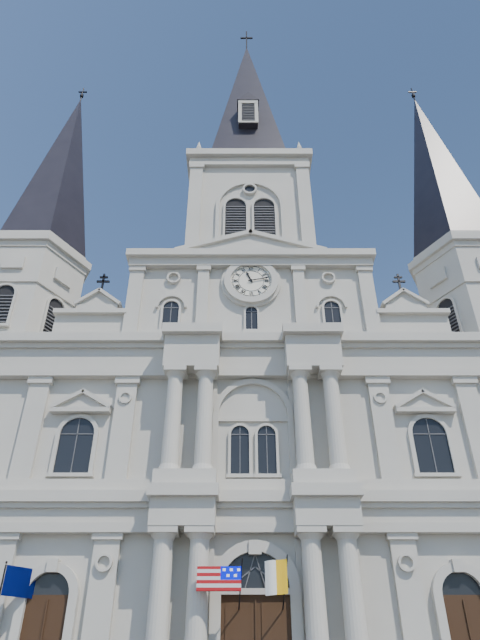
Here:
11,13
